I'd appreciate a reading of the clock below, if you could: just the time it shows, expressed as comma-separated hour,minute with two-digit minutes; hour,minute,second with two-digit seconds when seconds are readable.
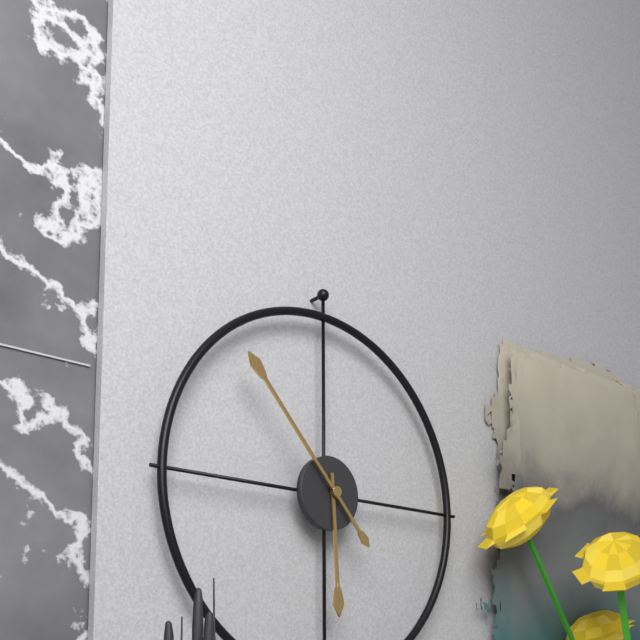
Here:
5,53
